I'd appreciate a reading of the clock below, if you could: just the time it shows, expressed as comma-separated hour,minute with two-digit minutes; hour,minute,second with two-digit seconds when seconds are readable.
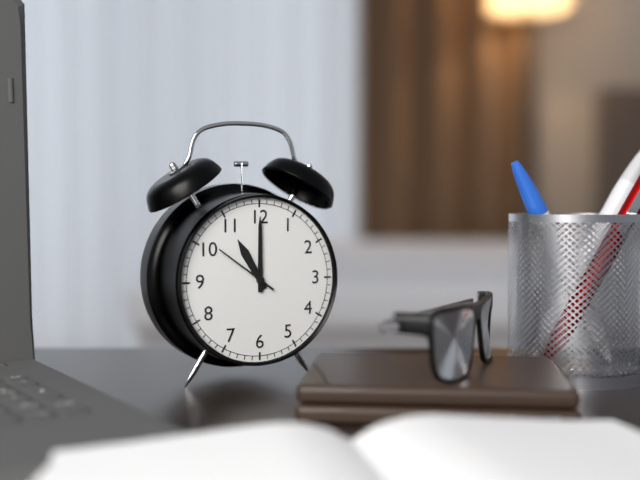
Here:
11,00,51
